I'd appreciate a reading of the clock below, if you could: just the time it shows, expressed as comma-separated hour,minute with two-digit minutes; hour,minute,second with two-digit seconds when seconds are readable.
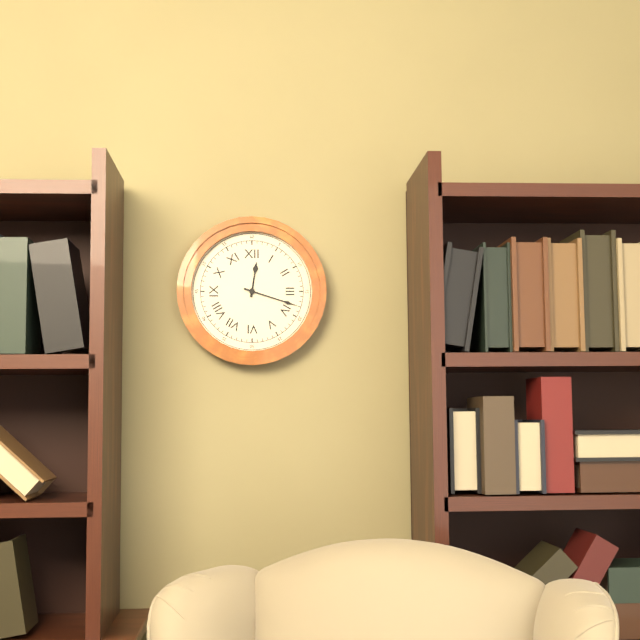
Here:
12,18
